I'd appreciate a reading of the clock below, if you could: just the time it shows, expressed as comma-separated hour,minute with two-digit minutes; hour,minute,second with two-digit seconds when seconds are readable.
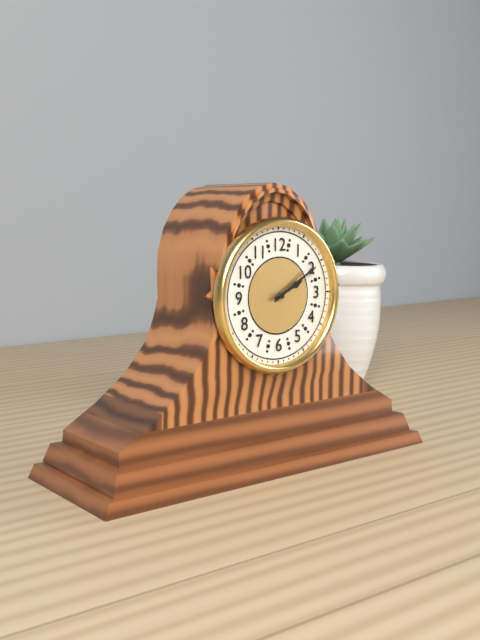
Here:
2,10
